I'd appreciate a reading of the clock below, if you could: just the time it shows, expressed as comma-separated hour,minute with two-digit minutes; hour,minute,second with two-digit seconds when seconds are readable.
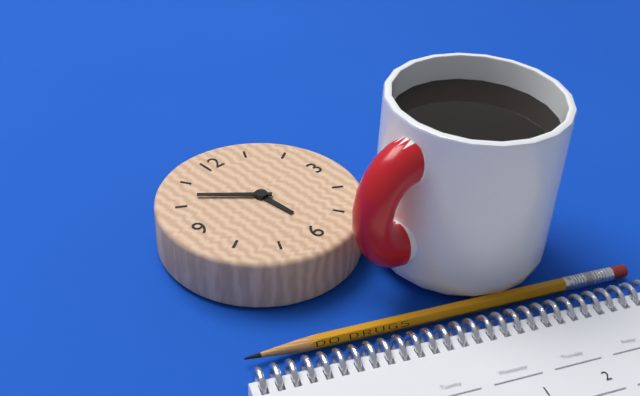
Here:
5,52
